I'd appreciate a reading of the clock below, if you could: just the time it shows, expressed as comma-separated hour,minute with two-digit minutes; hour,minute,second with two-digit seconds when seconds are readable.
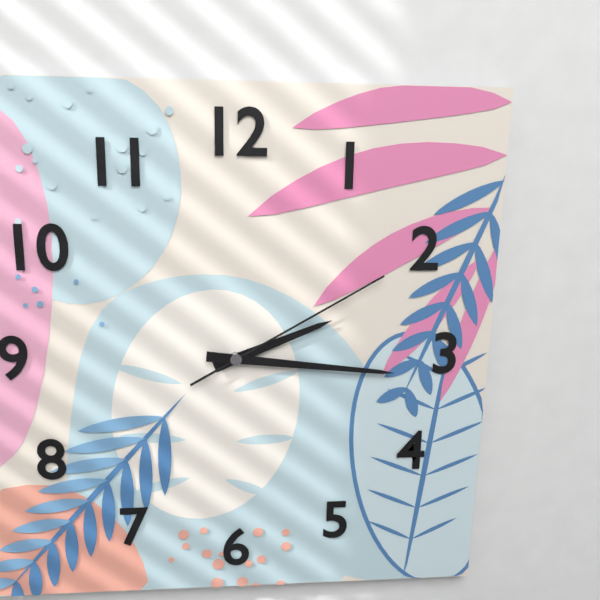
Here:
2,16,10
